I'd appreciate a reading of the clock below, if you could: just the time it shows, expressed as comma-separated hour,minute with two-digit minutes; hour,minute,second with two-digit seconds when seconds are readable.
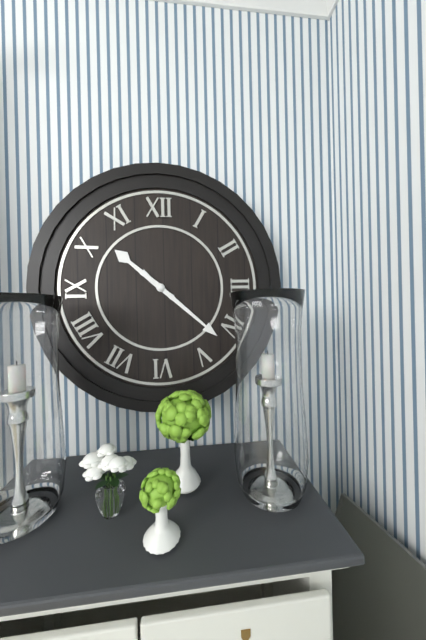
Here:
10,22
